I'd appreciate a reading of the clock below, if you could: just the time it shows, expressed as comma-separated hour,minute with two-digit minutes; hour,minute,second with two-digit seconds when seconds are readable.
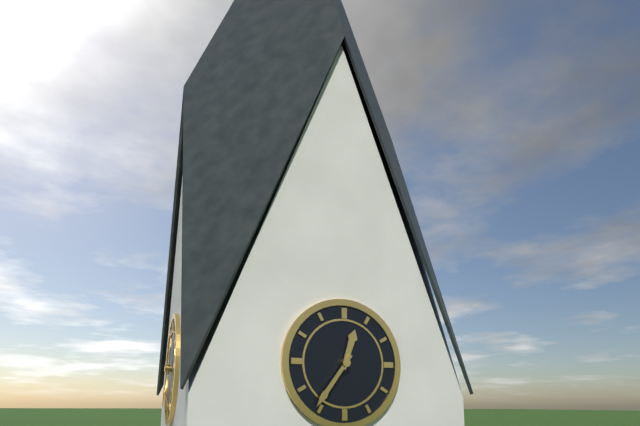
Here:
12,36
